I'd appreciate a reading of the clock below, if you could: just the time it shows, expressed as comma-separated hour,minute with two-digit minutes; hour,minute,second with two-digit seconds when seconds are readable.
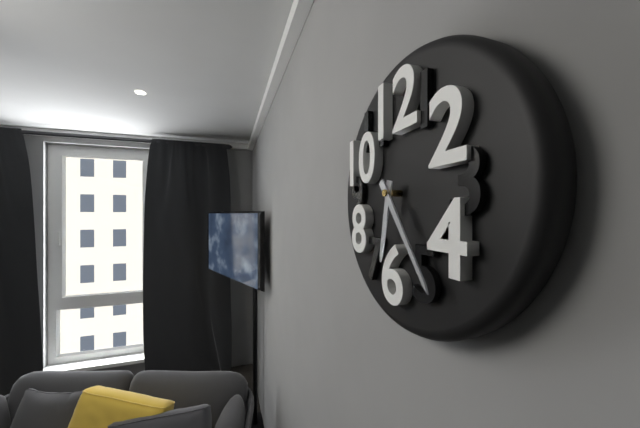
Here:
6,24
